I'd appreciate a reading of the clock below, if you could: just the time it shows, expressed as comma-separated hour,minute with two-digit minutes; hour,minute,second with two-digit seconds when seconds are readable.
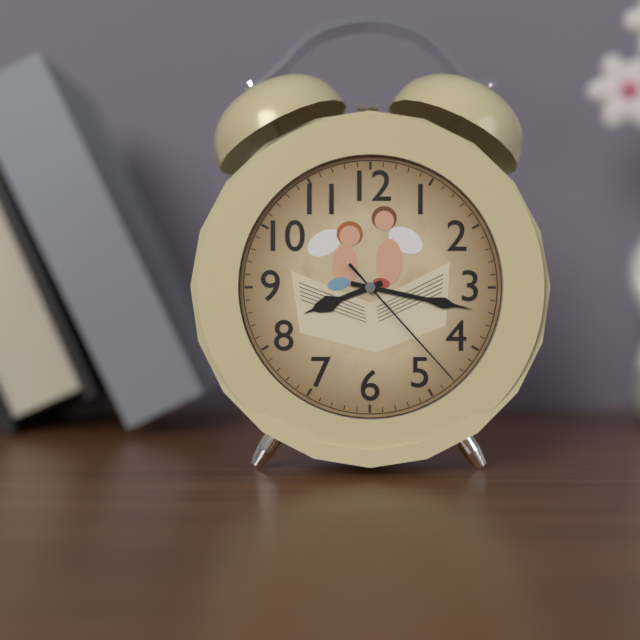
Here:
8,17,23
